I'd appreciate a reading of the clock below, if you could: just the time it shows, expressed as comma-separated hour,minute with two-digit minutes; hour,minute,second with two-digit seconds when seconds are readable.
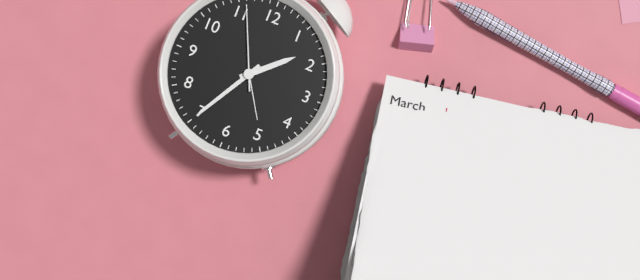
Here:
1,35,56
